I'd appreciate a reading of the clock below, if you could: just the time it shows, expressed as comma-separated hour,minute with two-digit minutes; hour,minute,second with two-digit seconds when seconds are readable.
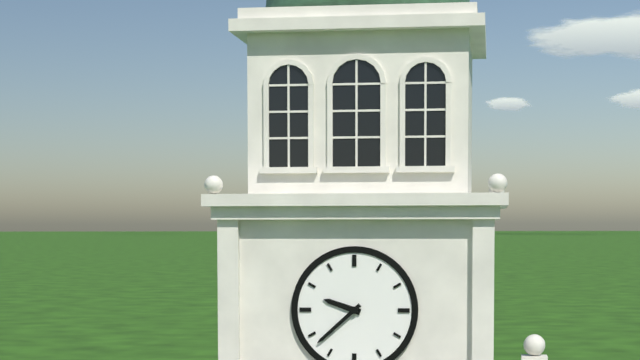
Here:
9,38
